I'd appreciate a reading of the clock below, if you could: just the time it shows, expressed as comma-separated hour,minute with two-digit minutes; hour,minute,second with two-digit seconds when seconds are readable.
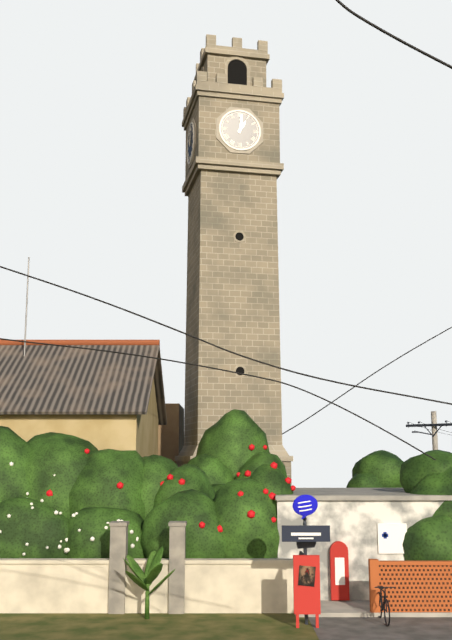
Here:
1,01
